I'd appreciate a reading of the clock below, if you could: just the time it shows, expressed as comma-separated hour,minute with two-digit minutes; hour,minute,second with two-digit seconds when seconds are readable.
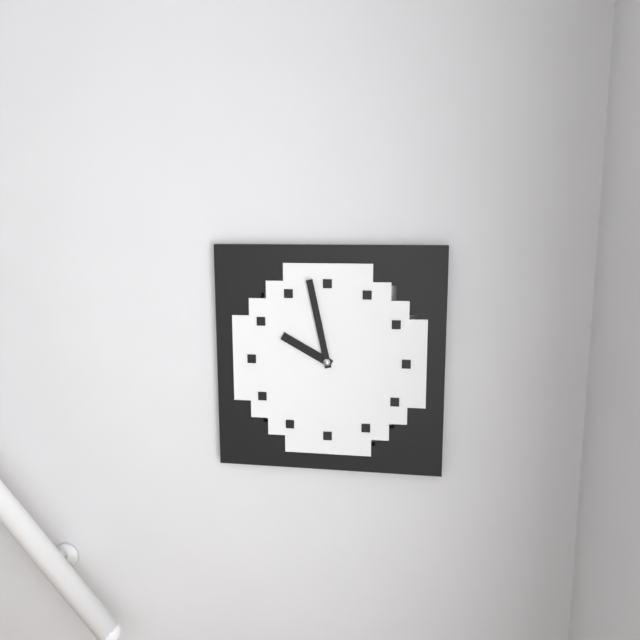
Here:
9,58
